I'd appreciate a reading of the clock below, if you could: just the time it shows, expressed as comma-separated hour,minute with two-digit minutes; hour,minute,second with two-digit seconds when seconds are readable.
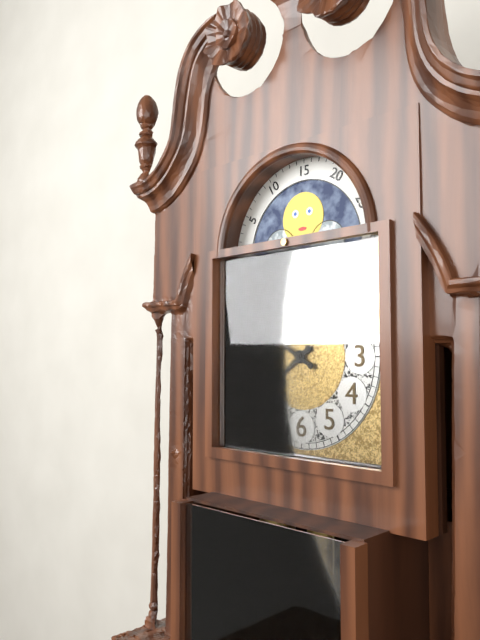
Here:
7,50
